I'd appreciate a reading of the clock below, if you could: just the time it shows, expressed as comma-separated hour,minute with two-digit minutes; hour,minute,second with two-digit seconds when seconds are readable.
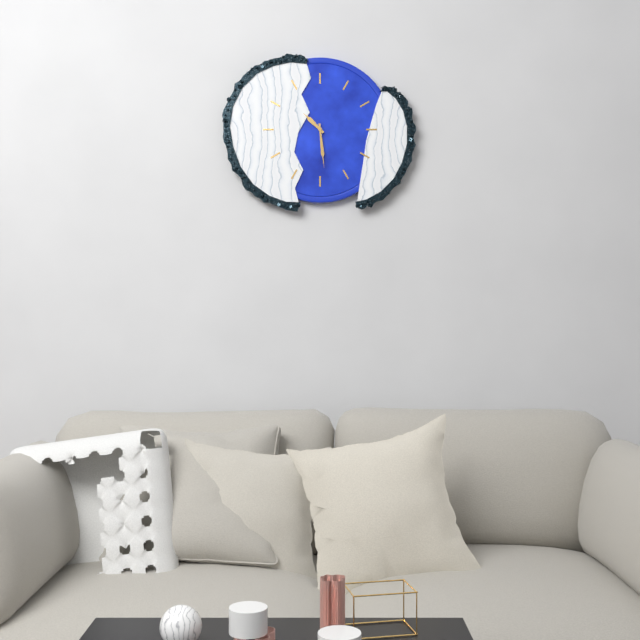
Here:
10,29
